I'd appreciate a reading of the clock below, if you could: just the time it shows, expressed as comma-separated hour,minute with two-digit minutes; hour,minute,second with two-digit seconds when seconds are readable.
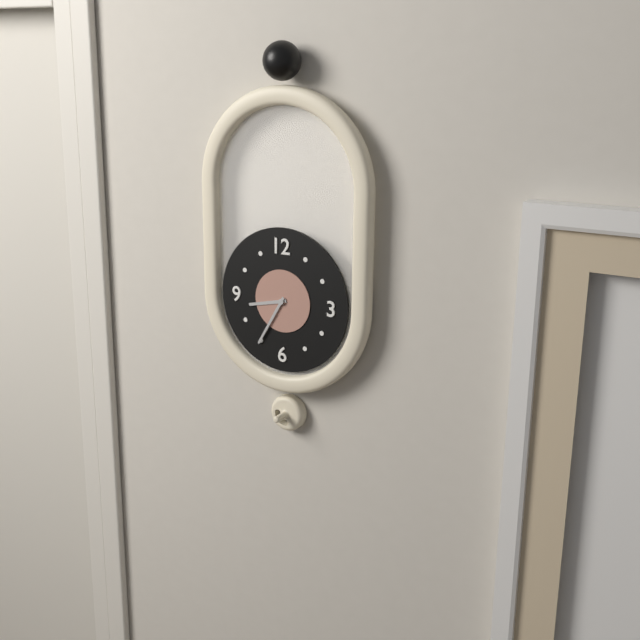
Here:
8,35
